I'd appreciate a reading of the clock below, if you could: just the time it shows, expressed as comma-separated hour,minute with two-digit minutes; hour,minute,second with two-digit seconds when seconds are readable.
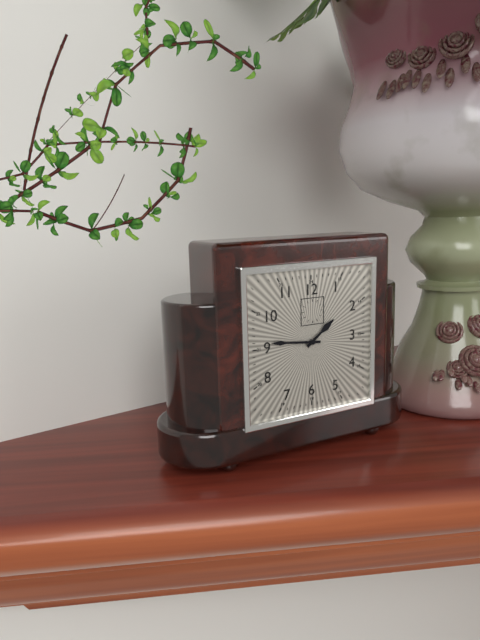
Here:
1,46
